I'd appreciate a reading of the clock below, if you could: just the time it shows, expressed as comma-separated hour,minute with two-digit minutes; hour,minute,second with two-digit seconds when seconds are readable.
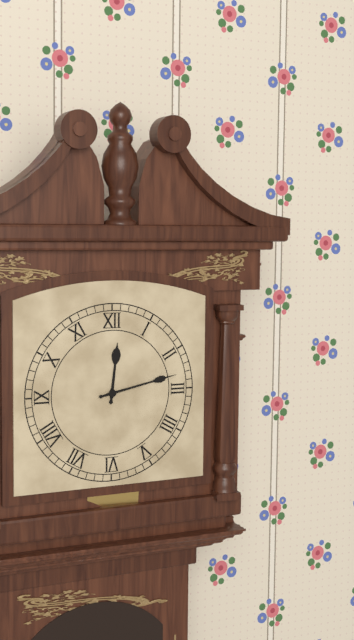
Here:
12,13
